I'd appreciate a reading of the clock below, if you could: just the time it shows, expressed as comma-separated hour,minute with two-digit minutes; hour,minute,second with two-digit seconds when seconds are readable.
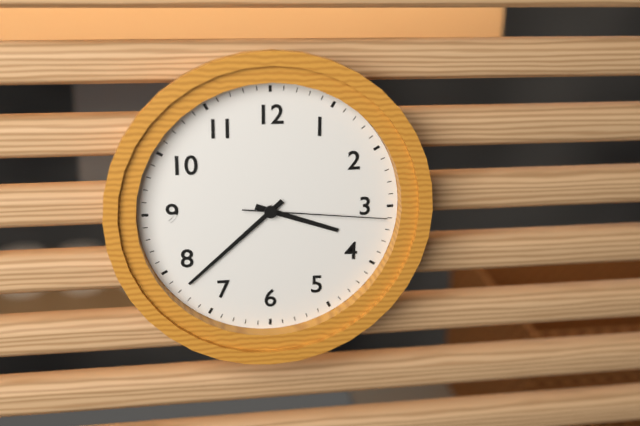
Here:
3,38,16
